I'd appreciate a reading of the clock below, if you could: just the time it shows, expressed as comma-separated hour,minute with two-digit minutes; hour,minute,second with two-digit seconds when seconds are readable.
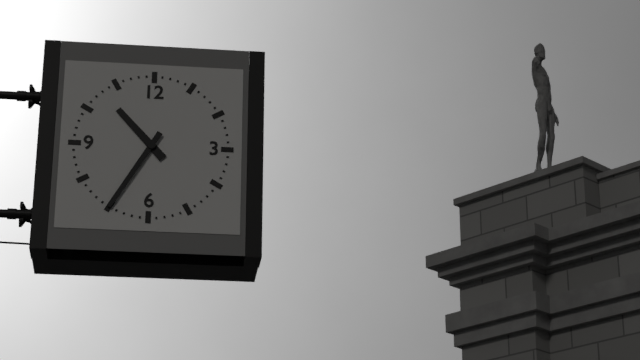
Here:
10,35
